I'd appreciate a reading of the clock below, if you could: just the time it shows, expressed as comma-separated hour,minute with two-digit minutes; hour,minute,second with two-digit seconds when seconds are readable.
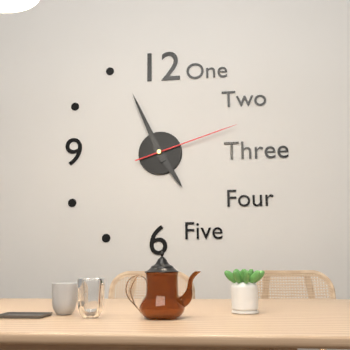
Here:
4,56,12
